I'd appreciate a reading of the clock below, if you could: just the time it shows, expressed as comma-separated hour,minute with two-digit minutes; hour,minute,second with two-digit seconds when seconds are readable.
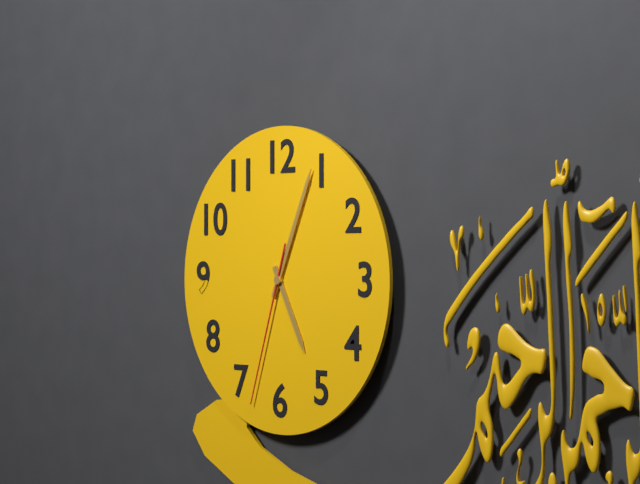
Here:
5,04,33
